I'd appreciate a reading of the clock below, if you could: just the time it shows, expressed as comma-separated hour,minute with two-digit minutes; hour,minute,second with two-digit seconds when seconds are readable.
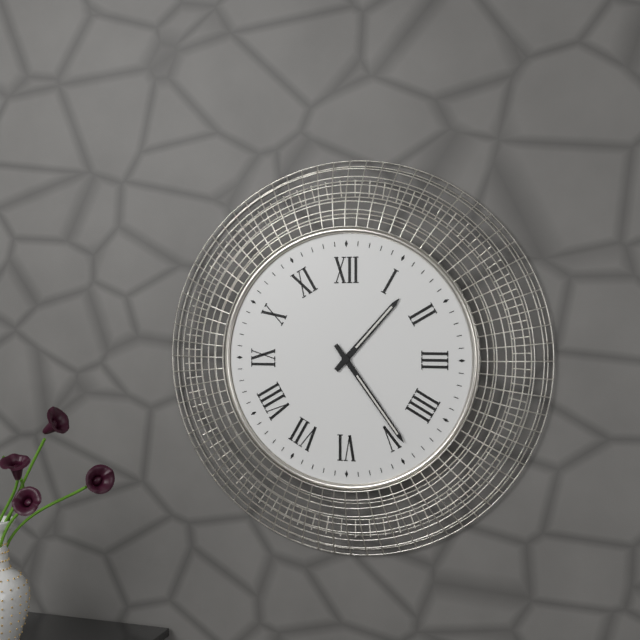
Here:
1,24
